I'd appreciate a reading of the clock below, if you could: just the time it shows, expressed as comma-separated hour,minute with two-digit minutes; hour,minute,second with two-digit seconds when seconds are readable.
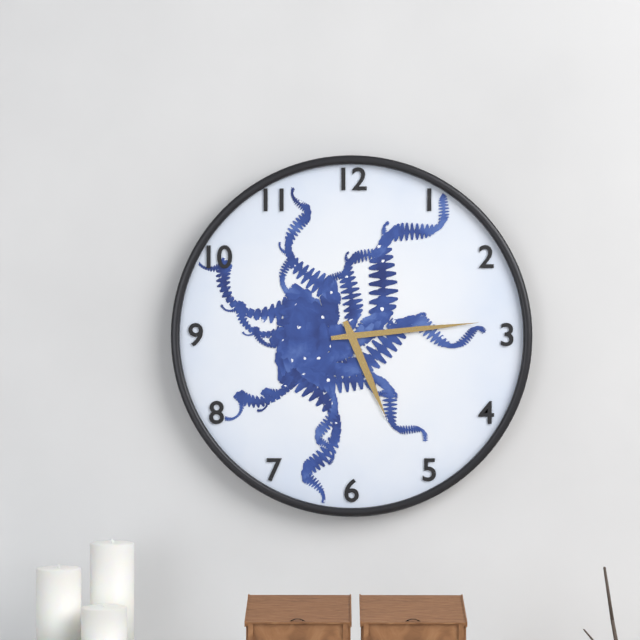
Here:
5,14
